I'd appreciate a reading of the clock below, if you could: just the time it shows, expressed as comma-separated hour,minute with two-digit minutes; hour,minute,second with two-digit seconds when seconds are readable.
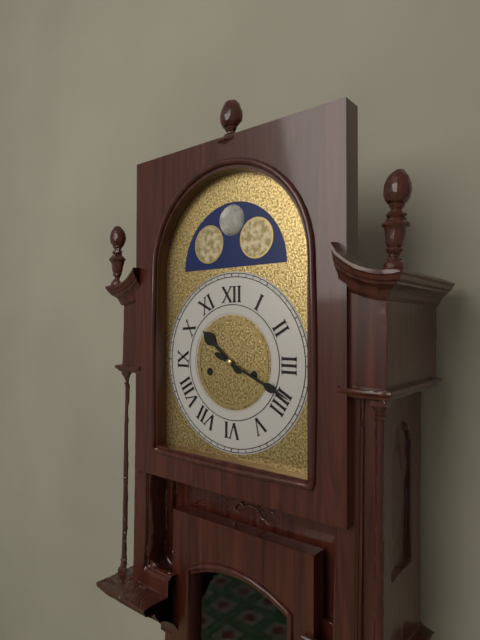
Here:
10,19
